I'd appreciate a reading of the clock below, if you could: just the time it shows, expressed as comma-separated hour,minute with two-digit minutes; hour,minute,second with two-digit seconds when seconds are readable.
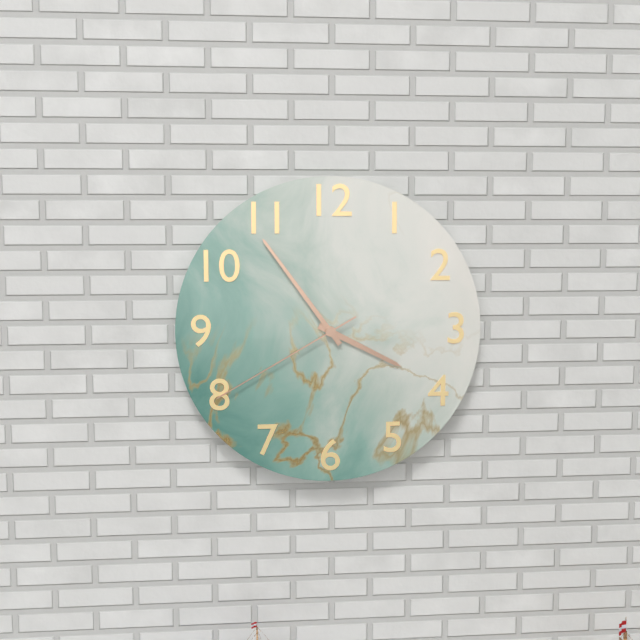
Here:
3,54,40
